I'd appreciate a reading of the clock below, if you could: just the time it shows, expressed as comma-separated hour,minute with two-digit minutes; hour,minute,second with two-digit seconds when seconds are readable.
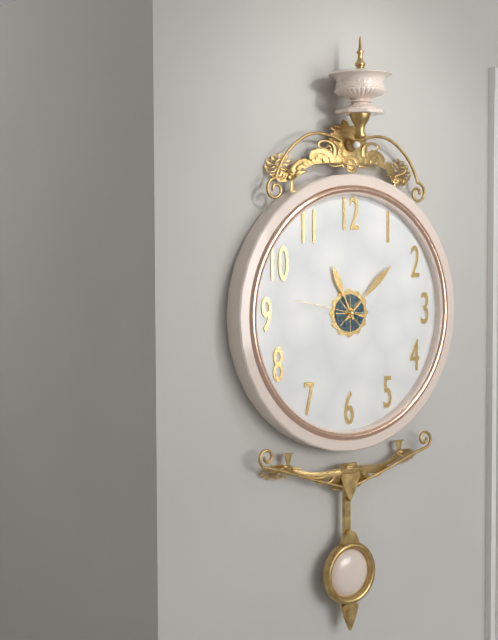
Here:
11,08,47
